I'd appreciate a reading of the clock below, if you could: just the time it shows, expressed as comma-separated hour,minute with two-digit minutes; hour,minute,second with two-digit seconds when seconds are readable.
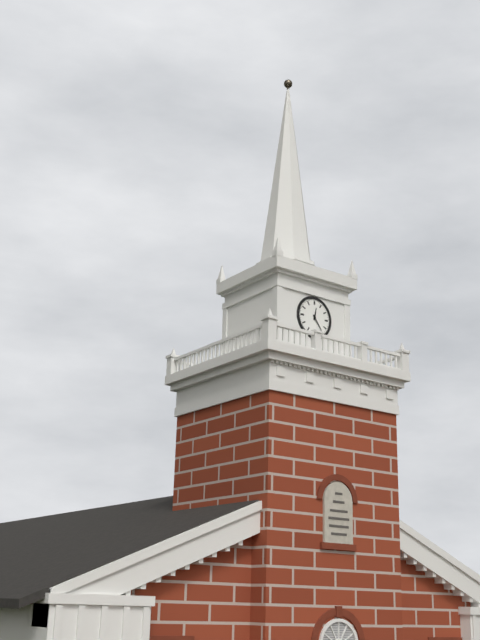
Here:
12,24
